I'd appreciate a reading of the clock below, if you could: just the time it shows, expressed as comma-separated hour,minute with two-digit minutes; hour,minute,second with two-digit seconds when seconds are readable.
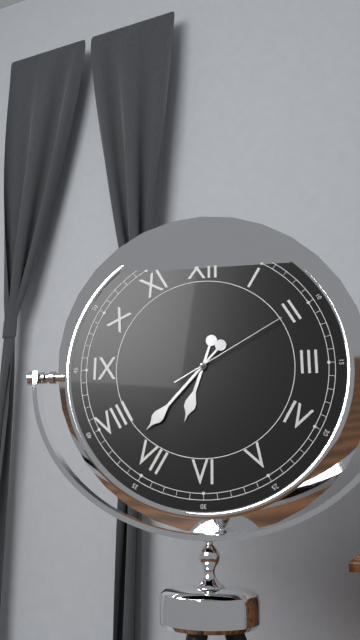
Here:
6,37,10
